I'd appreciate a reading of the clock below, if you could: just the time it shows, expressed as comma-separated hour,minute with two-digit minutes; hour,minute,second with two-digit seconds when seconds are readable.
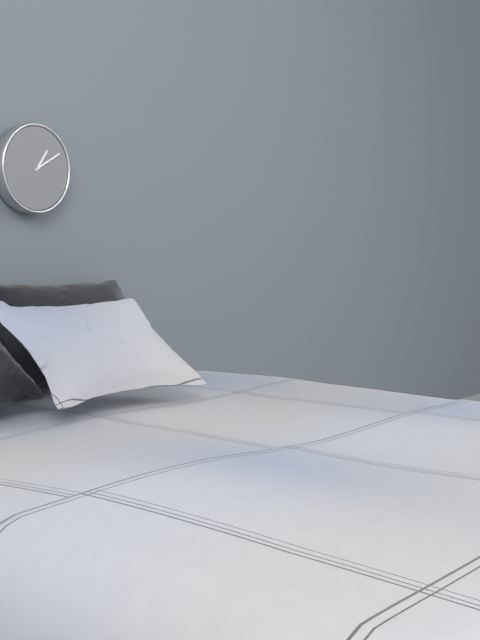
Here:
1,10
